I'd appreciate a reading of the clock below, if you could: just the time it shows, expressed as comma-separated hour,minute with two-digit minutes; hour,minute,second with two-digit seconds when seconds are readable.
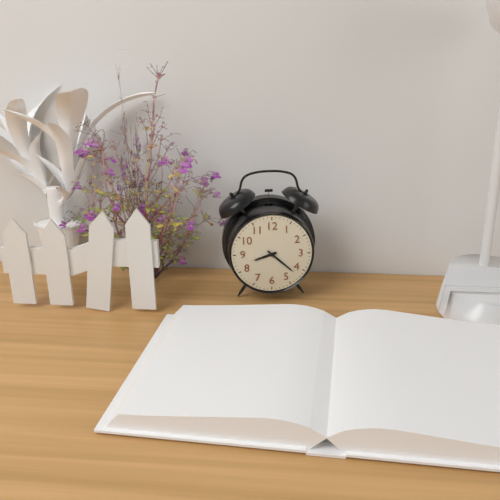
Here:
8,22
